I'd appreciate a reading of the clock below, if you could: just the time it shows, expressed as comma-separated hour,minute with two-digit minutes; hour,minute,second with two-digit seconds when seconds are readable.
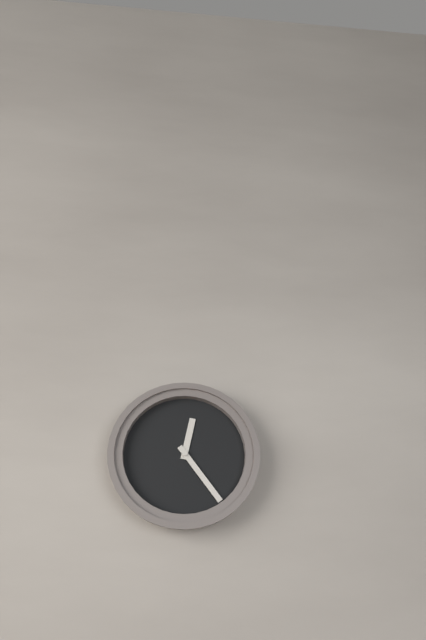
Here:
12,24
